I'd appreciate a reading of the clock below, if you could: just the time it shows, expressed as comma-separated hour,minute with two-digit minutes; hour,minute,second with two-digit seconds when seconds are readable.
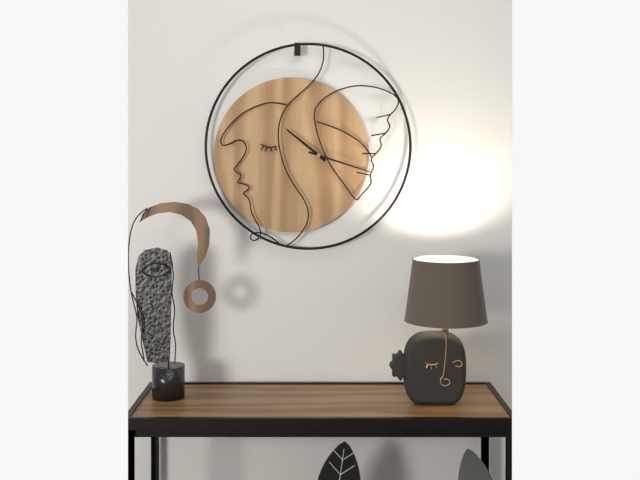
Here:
10,18
